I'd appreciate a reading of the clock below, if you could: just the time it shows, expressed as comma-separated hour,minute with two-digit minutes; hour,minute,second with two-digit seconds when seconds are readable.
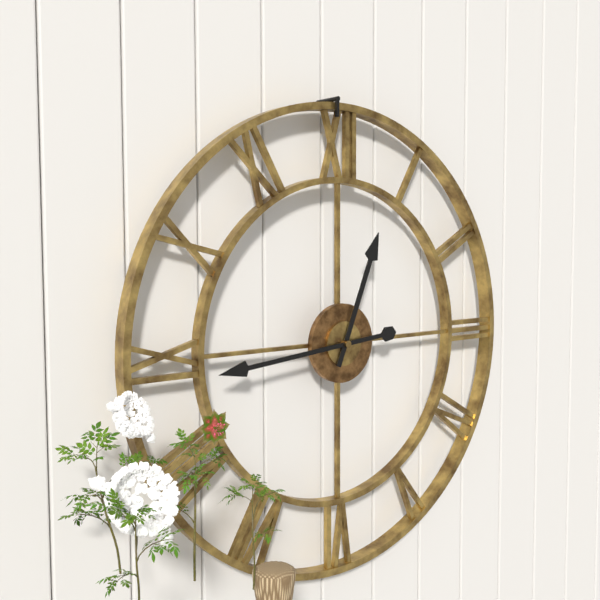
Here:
12,44
